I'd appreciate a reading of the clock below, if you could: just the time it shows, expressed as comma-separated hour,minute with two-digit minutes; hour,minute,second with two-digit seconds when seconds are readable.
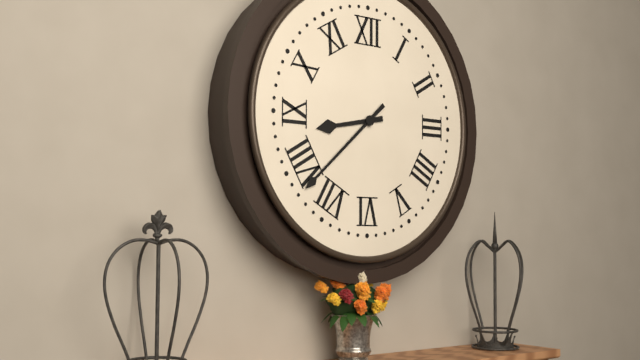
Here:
8,38
